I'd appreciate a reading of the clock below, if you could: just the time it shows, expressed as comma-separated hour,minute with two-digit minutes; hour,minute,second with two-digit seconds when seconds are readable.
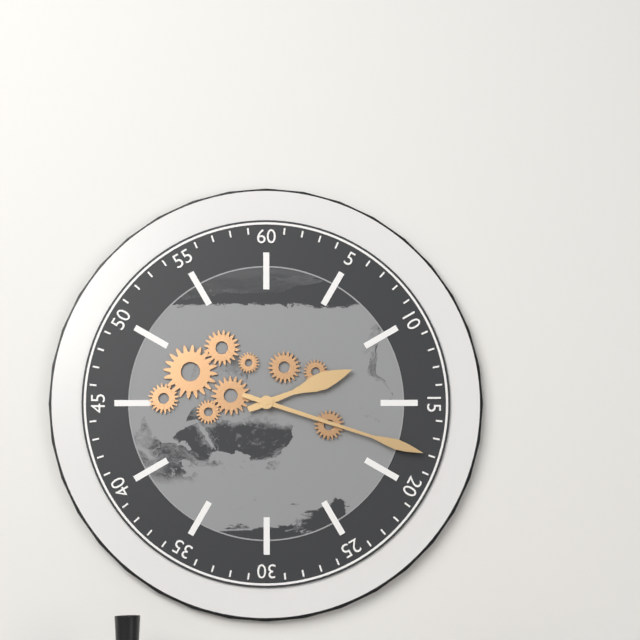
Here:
2,18
